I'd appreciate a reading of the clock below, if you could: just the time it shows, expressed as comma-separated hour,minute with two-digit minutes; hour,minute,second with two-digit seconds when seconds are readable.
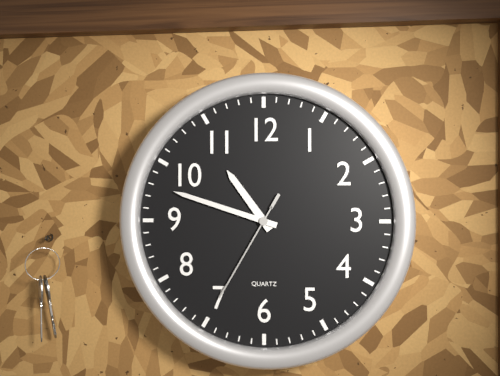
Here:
10,48,35
